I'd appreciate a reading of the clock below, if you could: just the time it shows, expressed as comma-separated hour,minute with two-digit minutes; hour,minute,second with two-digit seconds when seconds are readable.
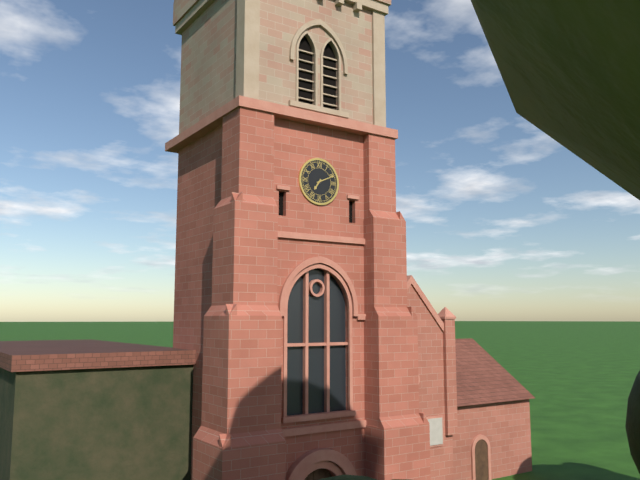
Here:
7,11
